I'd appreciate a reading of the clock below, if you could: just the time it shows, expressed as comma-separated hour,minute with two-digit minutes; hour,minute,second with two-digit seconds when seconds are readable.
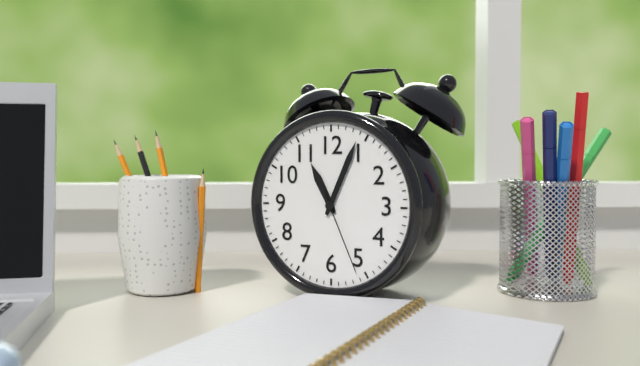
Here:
11,04,26
